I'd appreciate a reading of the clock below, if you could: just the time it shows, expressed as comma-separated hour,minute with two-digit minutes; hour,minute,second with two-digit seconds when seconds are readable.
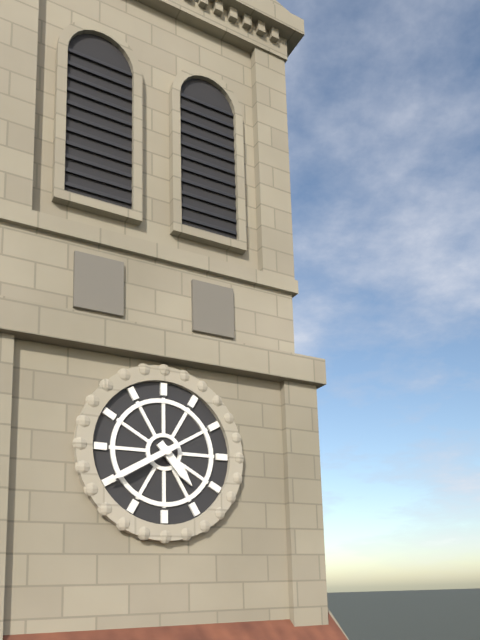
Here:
4,40
